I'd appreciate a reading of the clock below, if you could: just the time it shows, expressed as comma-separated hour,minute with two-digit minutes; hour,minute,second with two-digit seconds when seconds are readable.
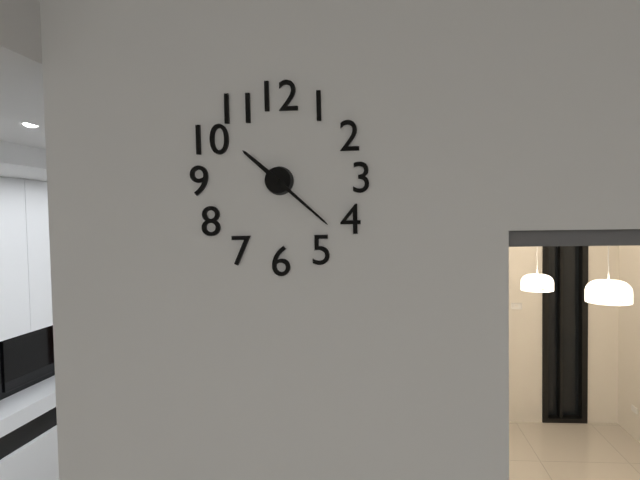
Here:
10,22
